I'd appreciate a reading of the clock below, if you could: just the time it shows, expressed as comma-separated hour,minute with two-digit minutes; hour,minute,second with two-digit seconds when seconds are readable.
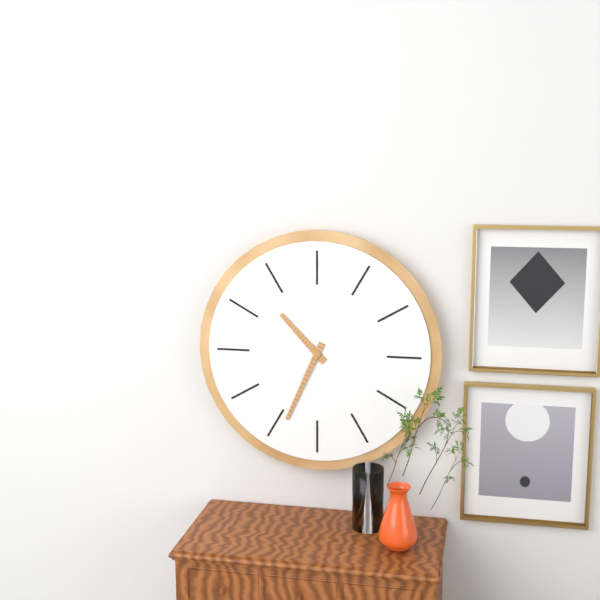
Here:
10,34
